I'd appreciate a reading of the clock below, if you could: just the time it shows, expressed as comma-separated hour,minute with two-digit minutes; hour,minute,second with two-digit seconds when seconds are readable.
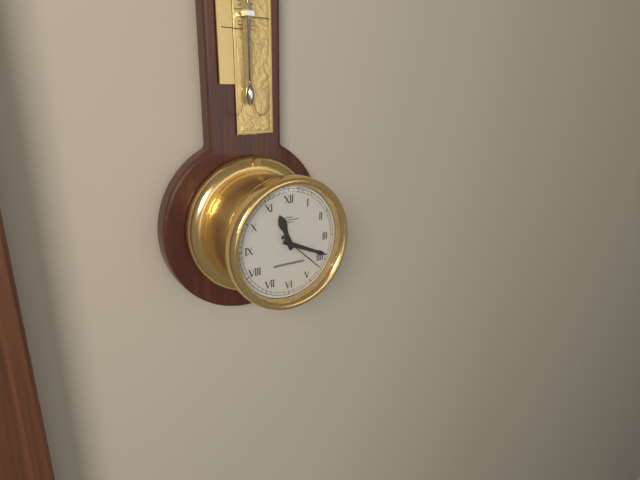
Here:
11,19
